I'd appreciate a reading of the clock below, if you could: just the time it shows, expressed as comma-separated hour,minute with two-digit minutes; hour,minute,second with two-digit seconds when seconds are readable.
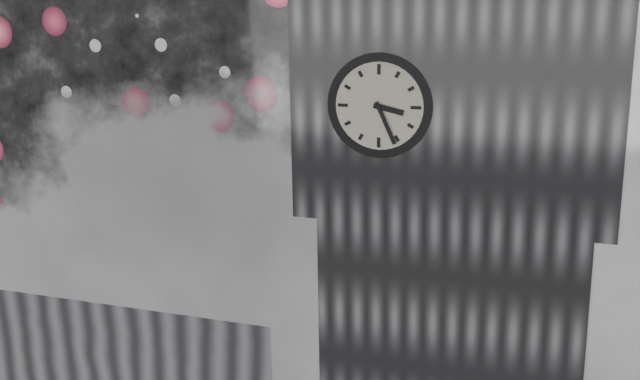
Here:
3,26
